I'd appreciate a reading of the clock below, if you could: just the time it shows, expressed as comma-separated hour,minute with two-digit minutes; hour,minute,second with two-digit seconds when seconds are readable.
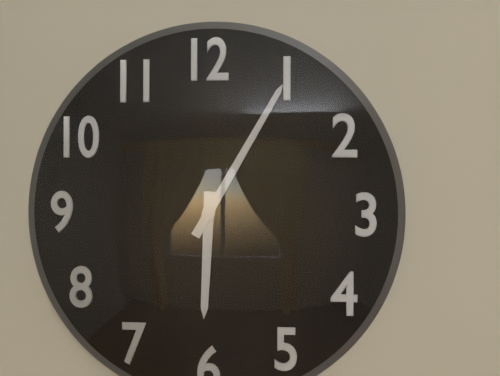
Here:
6,05
